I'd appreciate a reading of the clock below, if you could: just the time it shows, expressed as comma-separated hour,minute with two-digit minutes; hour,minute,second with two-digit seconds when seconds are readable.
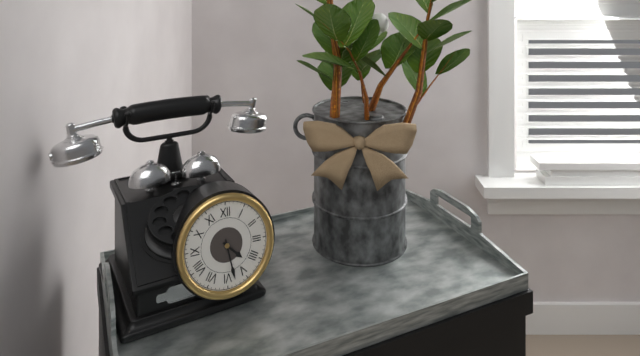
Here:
4,28
